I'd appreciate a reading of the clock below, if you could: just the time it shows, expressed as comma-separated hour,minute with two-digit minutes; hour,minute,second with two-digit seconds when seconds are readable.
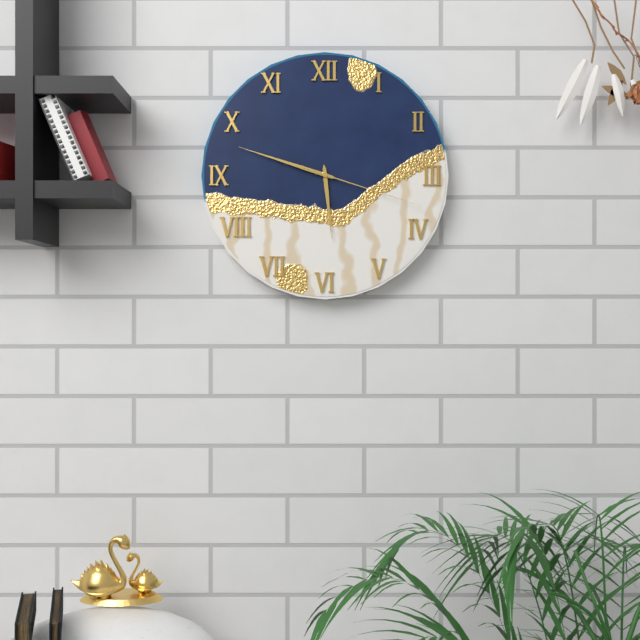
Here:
5,48,18
